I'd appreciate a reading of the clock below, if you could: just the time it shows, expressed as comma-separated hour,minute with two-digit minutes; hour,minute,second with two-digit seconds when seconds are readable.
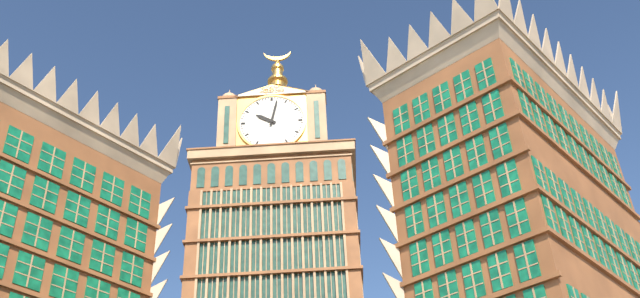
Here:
10,02
